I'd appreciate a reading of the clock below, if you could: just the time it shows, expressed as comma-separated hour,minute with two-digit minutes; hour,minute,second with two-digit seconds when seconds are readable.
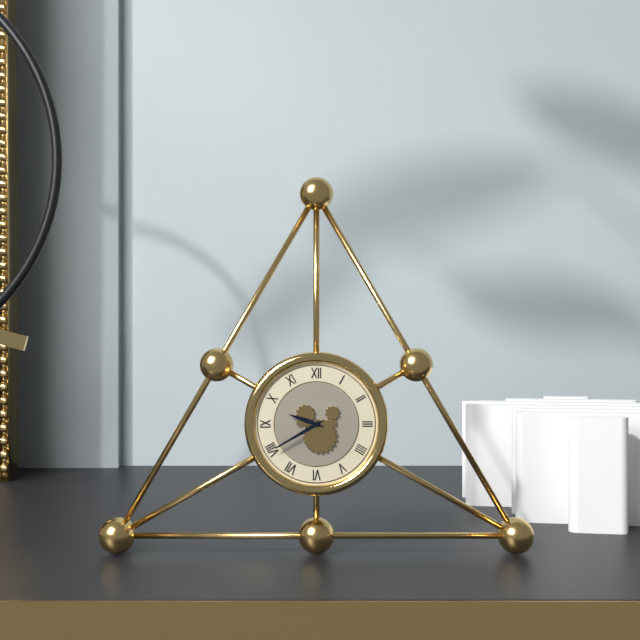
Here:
9,40
